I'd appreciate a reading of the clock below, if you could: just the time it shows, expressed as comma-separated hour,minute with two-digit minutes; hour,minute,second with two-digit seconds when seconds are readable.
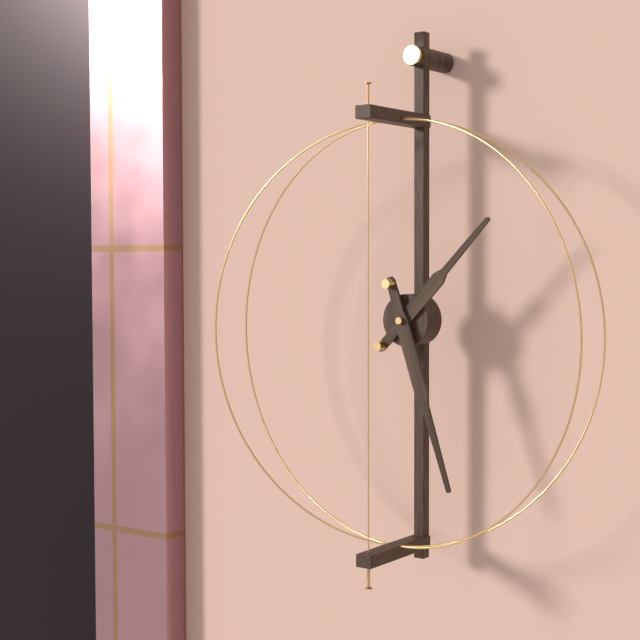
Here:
1,27
